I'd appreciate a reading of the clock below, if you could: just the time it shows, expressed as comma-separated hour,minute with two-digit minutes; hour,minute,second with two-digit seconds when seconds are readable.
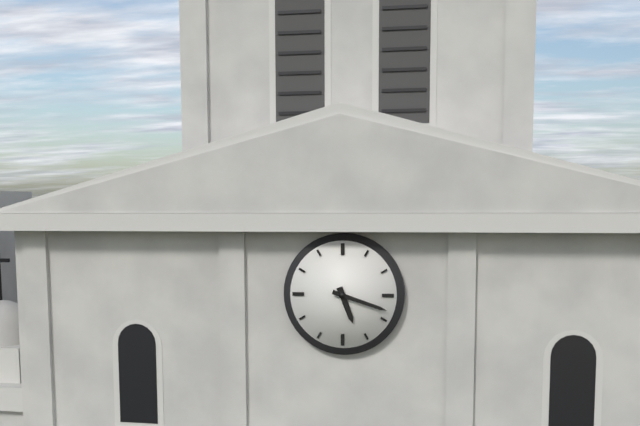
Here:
5,18
